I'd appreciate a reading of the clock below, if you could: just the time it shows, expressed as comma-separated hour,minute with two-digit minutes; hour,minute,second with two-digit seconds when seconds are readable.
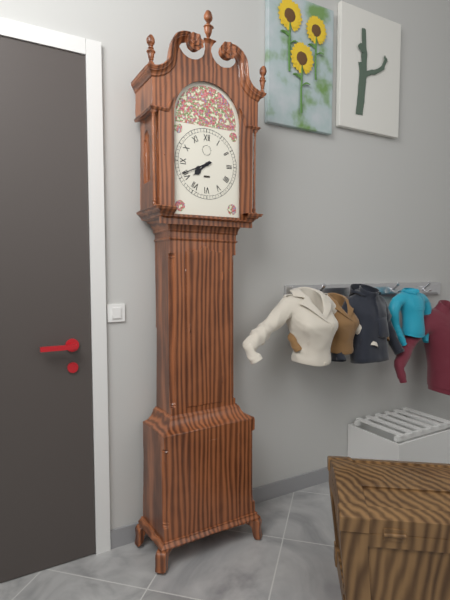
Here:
7,41
